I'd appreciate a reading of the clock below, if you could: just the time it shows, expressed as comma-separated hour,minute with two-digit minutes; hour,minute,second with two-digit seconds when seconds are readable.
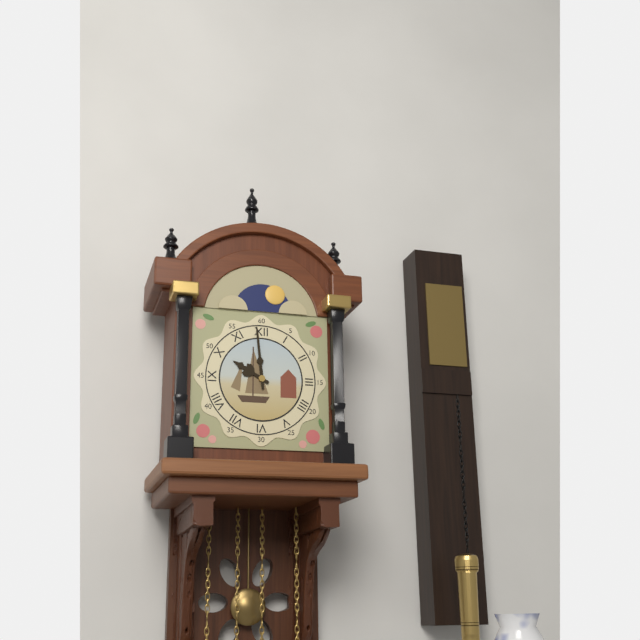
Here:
9,59
